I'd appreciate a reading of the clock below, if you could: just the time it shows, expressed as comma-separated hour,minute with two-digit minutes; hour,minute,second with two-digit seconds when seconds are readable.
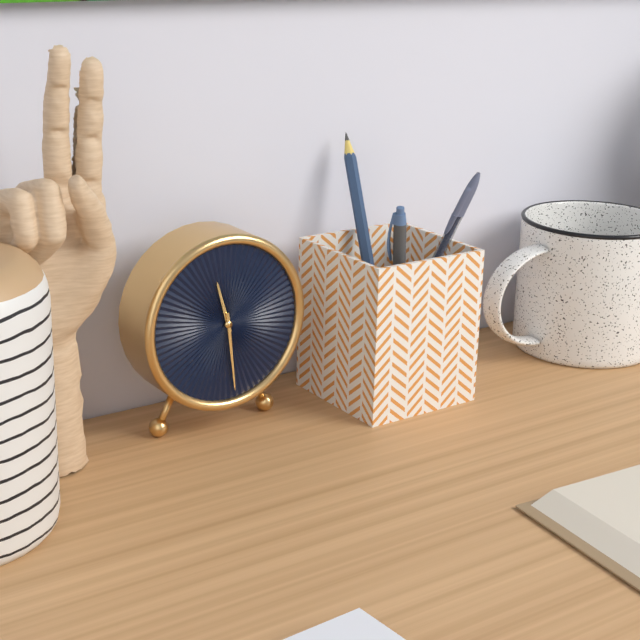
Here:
11,29
